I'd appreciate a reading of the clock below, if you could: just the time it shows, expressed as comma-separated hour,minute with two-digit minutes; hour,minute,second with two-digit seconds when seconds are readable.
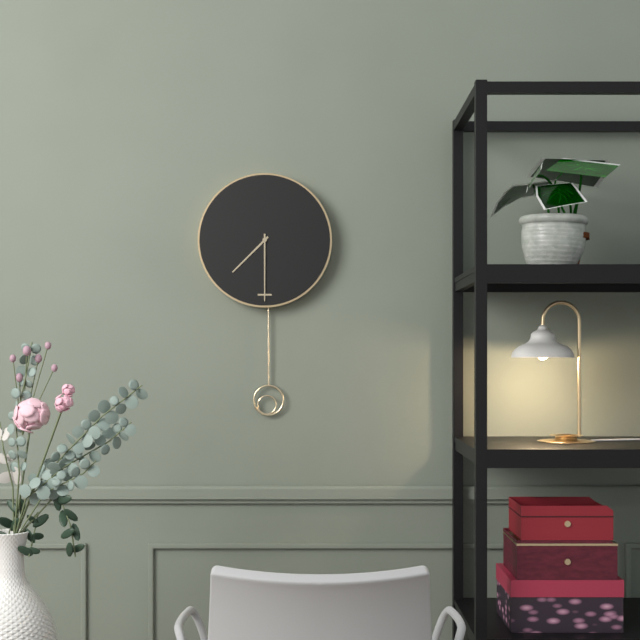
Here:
7,30
